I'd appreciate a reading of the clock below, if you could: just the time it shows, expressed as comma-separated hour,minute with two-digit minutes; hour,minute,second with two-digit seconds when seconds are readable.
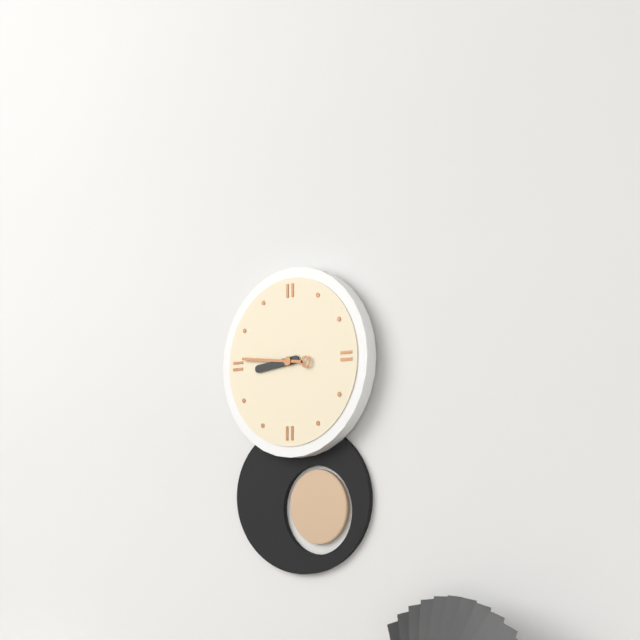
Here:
8,46
